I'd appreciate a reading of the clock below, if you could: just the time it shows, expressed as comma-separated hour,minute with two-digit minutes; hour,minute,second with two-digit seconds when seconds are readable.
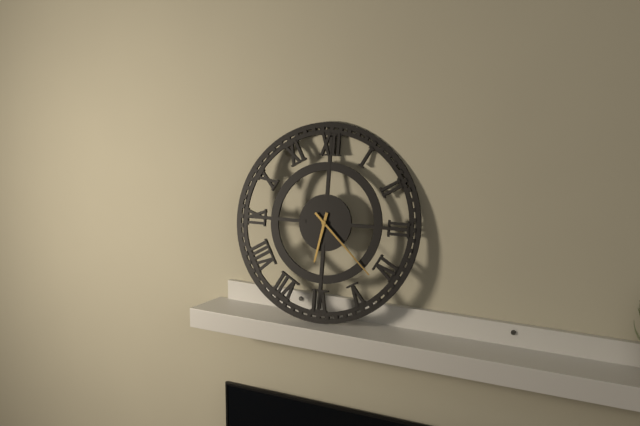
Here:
6,22
